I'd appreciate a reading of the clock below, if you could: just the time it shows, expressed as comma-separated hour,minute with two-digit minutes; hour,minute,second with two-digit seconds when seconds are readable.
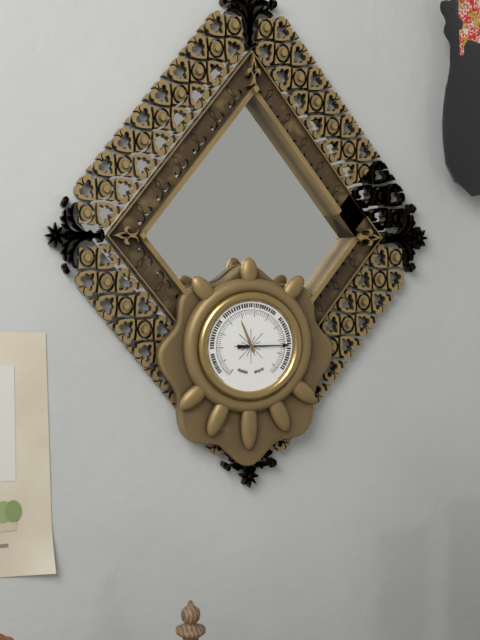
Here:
11,15
